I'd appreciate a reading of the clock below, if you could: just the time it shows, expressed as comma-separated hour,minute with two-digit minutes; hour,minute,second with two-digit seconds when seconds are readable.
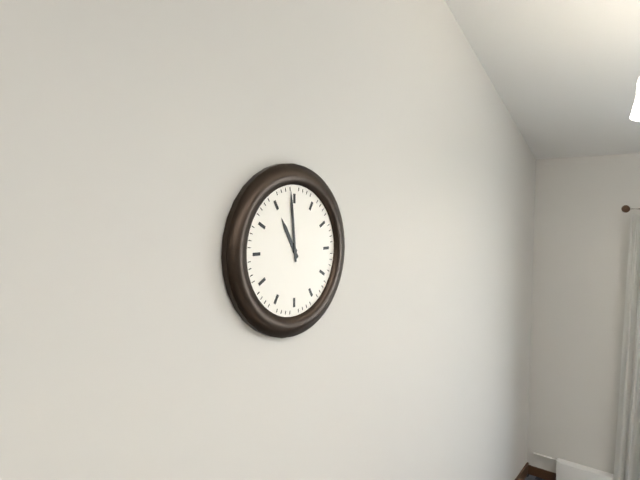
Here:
10,59
